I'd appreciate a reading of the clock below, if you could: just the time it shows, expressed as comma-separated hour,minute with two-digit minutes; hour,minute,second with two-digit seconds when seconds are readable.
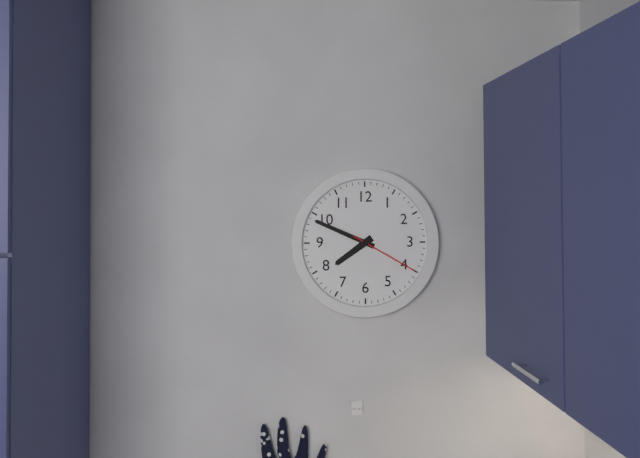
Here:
7,49,20
